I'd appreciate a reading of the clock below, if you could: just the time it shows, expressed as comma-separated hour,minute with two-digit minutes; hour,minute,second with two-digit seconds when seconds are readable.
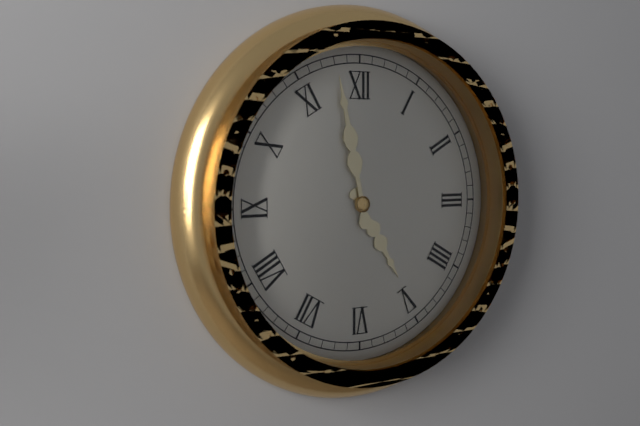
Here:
4,58
